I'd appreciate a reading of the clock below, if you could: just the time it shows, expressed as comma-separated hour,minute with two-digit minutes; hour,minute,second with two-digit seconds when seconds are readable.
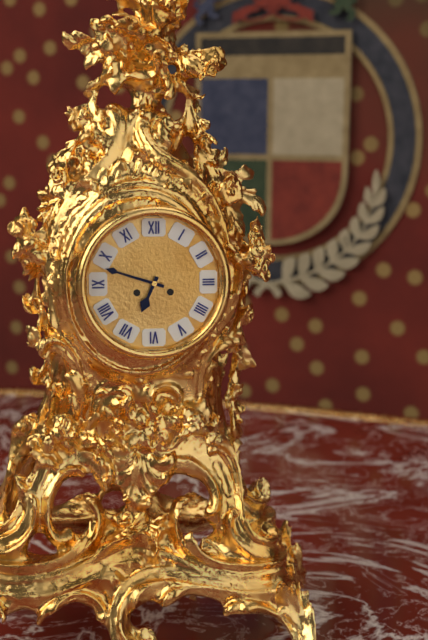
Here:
6,48
